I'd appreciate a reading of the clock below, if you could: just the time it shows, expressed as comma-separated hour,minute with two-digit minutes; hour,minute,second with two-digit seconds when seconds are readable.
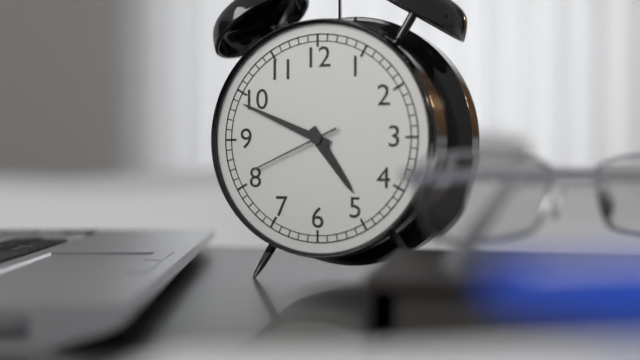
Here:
4,49,41
